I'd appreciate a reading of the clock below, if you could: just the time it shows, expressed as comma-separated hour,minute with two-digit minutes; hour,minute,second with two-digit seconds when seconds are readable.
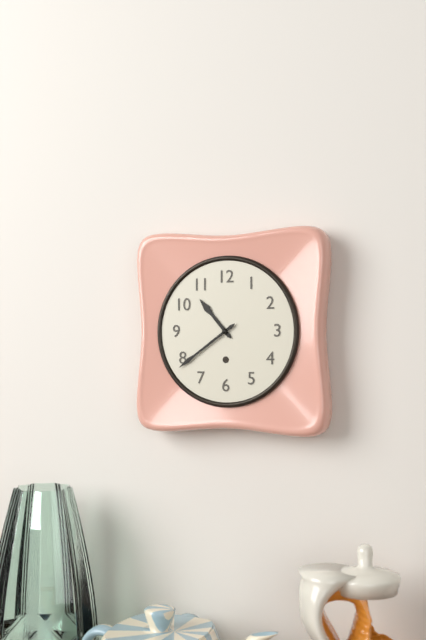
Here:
10,39
